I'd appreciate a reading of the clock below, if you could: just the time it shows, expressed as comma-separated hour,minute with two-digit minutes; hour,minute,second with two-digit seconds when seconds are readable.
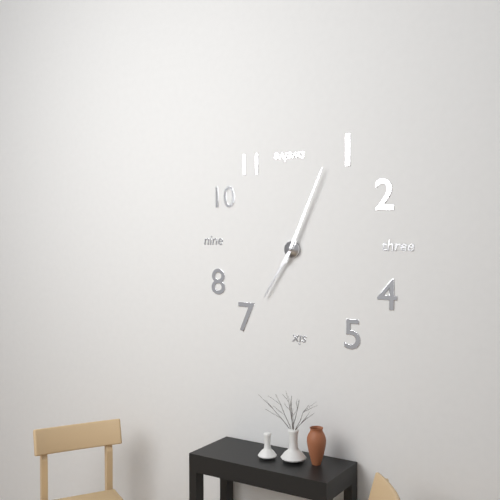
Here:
7,04
